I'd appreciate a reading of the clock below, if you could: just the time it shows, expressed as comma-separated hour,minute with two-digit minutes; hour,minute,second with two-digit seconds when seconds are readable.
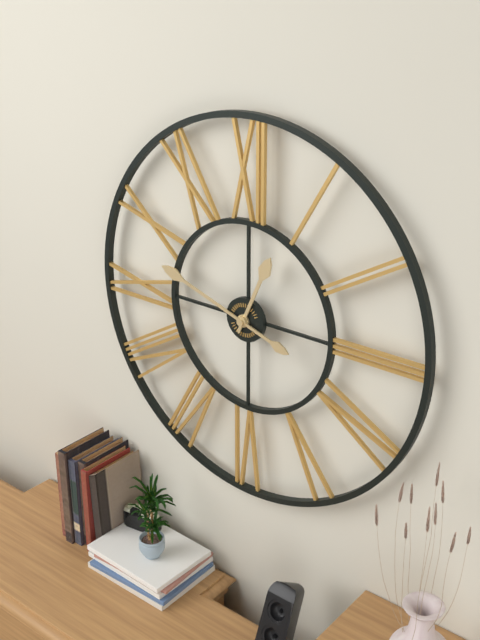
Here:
12,48
